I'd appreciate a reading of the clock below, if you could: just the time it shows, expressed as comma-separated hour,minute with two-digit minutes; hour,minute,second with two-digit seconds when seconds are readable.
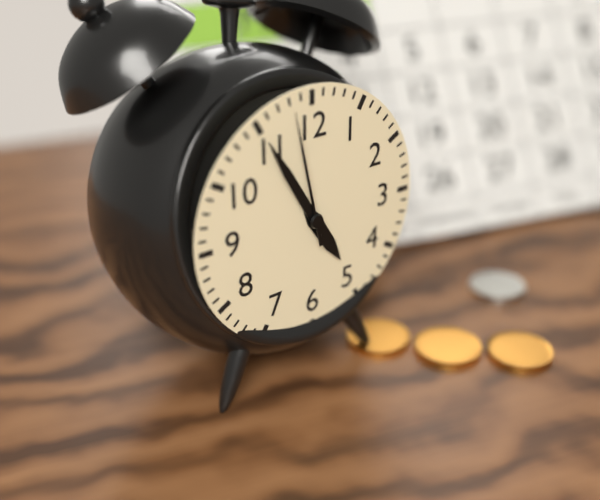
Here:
4,55,58
